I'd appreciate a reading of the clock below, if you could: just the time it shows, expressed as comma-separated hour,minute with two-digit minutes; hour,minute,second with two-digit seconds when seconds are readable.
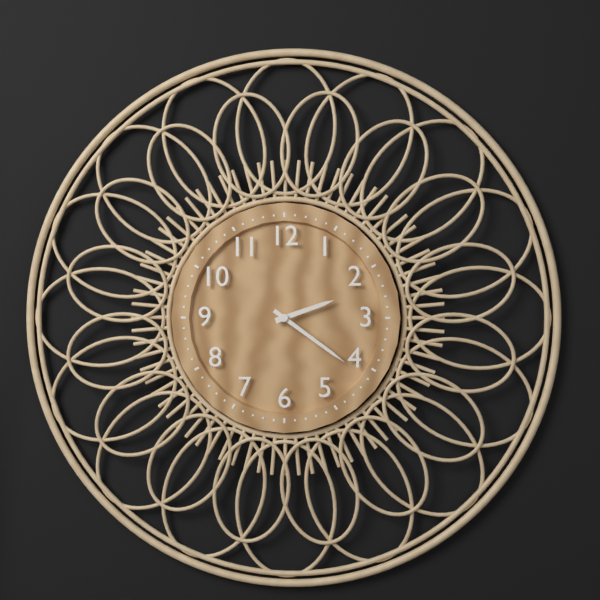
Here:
2,21
